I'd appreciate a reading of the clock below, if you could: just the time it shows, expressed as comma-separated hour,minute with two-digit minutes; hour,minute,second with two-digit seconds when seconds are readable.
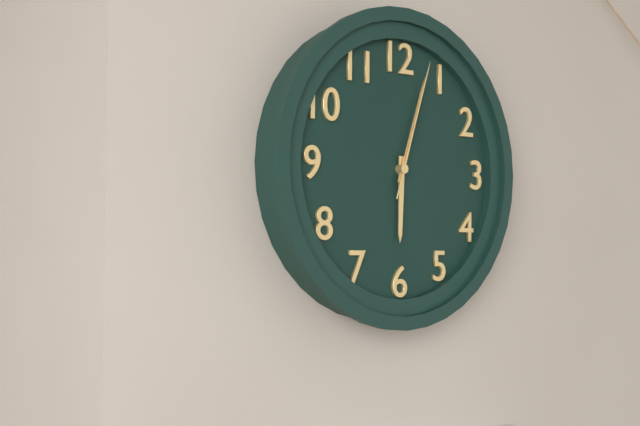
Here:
6,03,03
